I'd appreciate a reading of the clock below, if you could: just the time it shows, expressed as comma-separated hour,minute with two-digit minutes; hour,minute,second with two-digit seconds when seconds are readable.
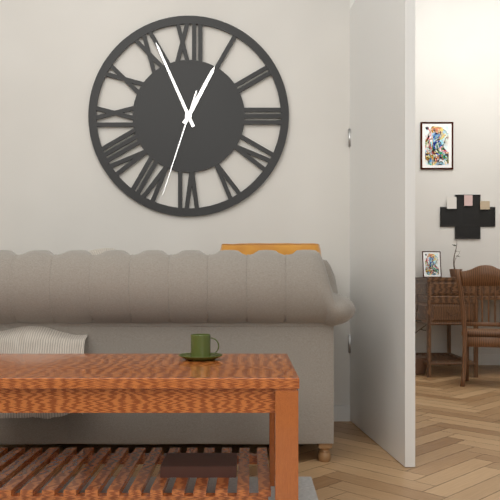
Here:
12,56,33
